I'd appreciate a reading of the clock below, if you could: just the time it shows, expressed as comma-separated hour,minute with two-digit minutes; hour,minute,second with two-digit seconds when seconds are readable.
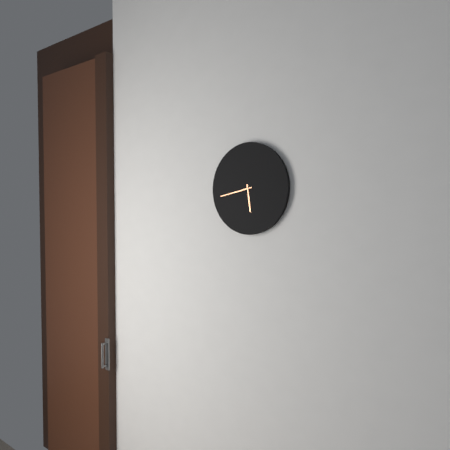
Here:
5,43
